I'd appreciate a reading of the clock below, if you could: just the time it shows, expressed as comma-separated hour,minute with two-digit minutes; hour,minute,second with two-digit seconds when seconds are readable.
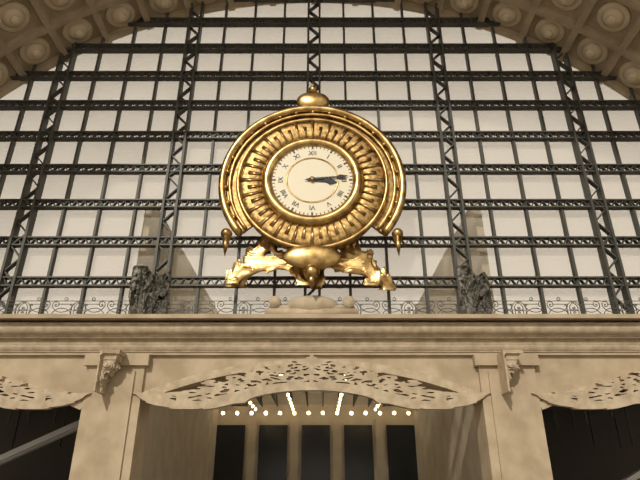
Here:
3,14
